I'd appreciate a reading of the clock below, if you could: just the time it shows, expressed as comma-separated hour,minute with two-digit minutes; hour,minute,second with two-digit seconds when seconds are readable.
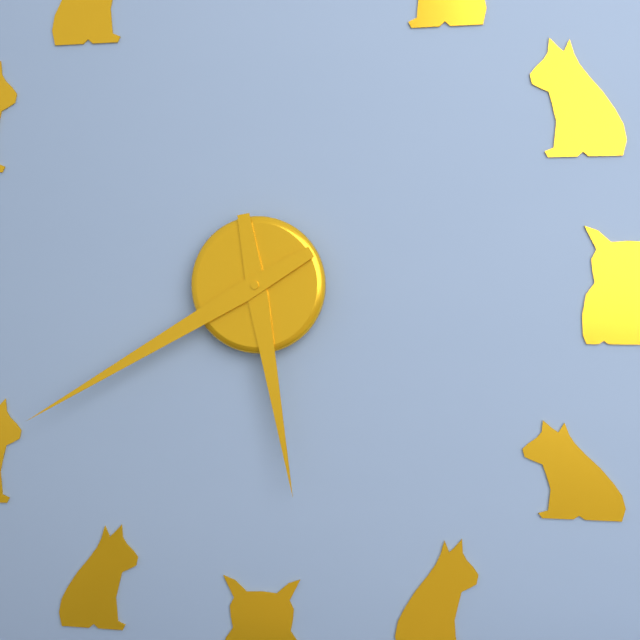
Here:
5,40
